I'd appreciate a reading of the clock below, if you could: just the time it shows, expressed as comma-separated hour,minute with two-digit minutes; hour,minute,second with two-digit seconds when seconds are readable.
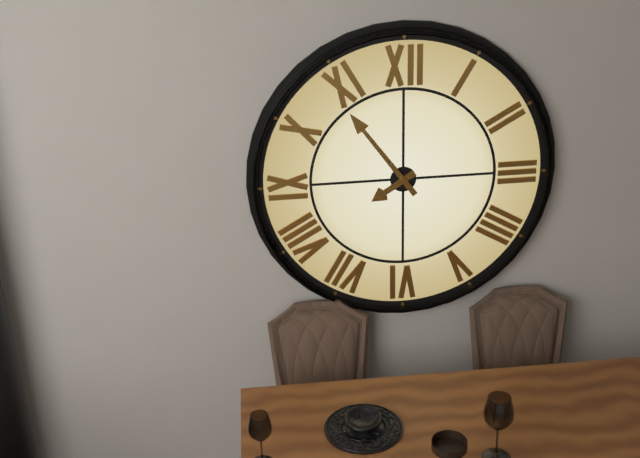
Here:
7,54
